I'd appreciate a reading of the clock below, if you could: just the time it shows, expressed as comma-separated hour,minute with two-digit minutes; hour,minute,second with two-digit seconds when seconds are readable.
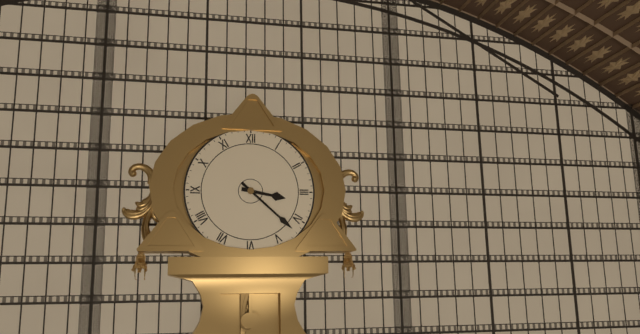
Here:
3,22
